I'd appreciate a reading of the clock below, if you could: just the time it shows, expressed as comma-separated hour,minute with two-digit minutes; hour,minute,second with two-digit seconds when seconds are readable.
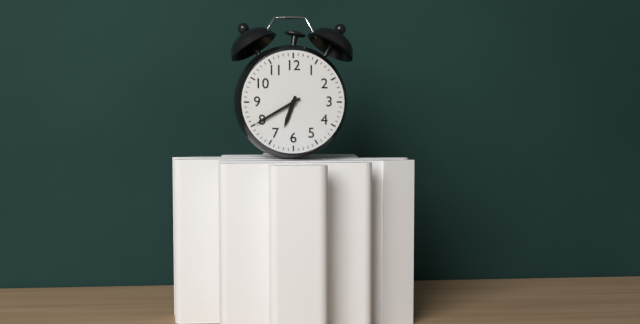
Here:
6,40
